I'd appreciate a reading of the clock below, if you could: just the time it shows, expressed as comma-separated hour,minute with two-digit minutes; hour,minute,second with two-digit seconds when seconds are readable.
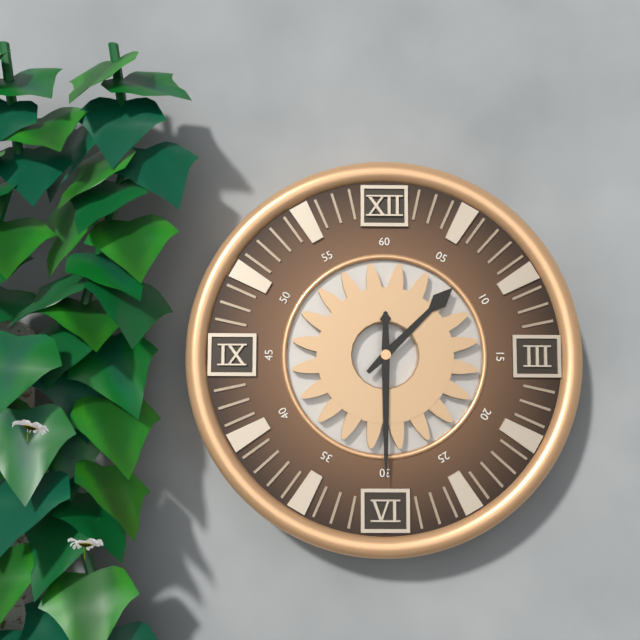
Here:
1,30
